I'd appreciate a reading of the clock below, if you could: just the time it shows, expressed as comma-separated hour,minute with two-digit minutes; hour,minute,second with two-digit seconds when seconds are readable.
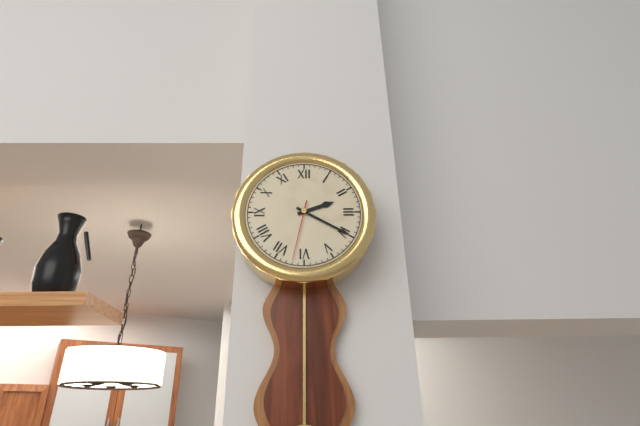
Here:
2,20,32
